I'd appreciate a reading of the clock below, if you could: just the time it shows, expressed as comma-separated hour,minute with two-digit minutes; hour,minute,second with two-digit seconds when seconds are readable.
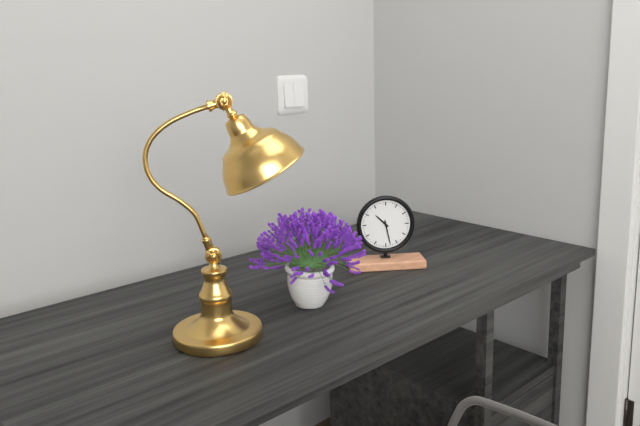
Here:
10,28
